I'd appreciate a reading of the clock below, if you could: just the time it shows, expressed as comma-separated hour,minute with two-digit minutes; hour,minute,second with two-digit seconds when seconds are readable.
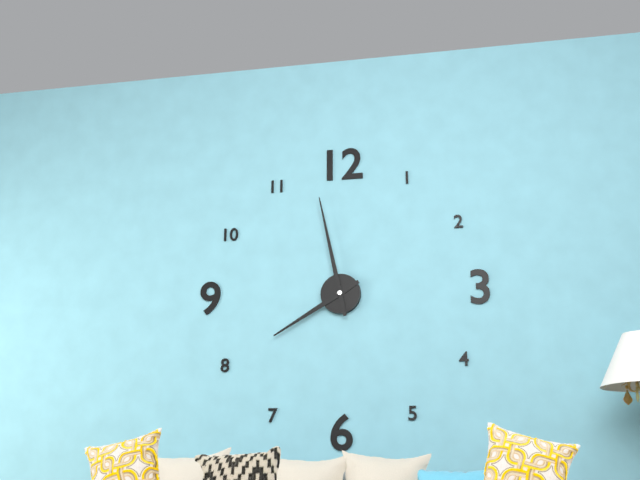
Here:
7,58
